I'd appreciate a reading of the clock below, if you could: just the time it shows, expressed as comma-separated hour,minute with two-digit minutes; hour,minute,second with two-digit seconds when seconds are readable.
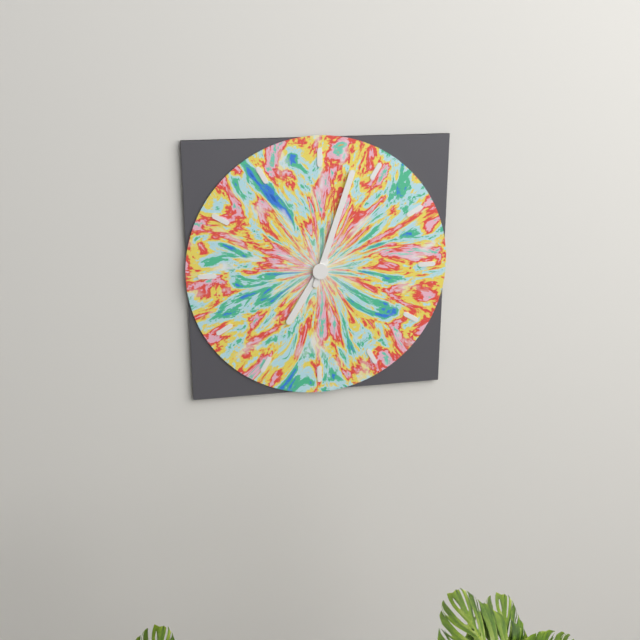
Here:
7,03
